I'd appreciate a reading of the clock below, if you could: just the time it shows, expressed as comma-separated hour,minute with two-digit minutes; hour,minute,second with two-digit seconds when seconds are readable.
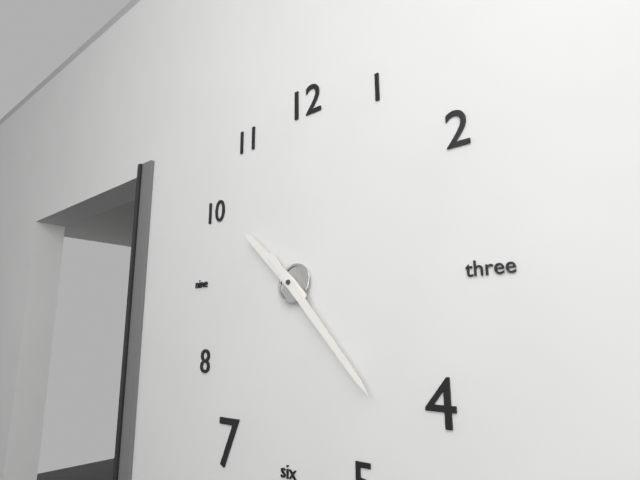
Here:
10,23
